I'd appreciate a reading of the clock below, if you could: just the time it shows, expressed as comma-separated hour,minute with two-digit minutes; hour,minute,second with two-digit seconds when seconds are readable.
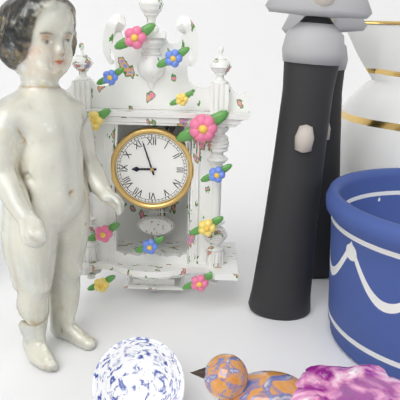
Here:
8,57
